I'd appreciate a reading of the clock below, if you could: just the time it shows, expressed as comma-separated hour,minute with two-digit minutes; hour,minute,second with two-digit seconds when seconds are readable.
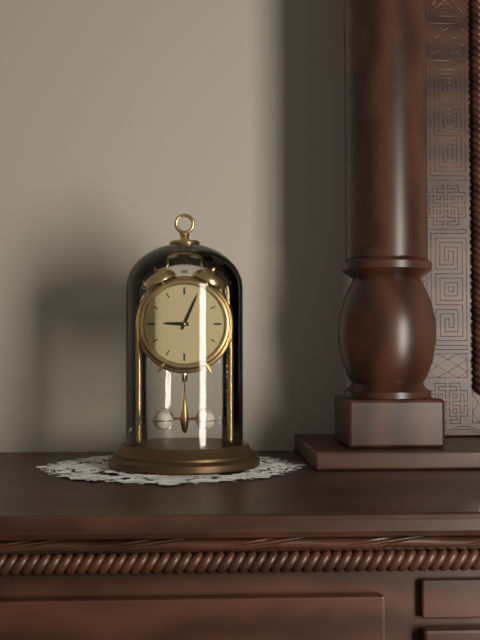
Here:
9,04
